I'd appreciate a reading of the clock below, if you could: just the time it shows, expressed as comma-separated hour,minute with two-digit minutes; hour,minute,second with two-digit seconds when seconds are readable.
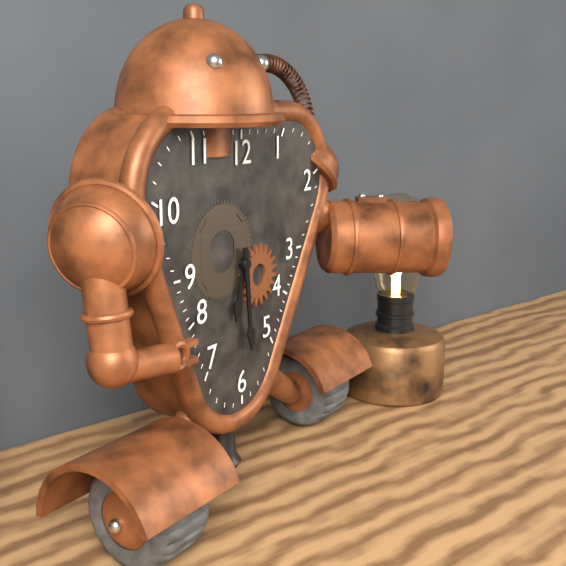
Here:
6,29
